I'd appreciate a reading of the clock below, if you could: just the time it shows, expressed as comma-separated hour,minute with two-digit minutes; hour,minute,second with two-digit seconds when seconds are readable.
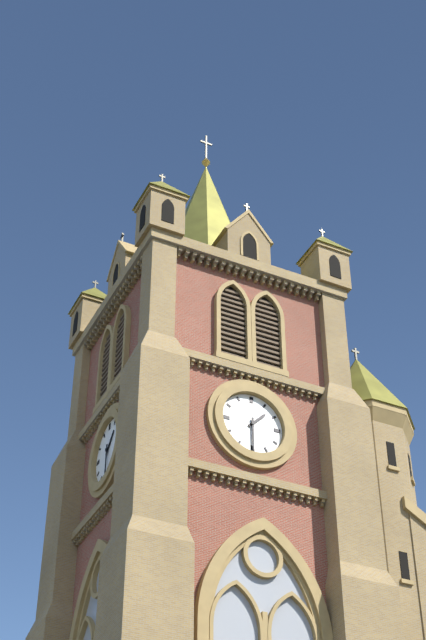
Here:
1,30
